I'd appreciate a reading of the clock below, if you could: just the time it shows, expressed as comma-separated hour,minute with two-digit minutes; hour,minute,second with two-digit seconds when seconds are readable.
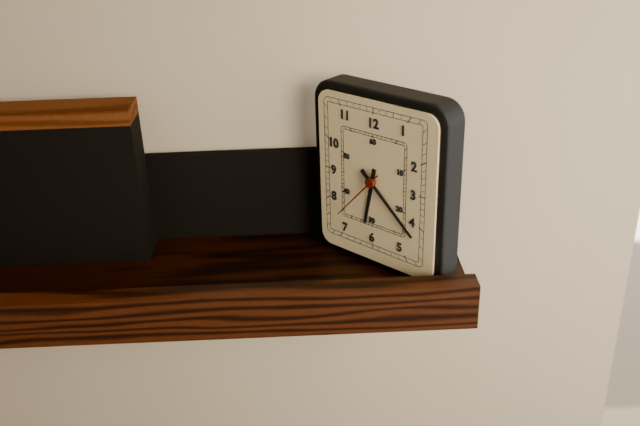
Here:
6,22,37
